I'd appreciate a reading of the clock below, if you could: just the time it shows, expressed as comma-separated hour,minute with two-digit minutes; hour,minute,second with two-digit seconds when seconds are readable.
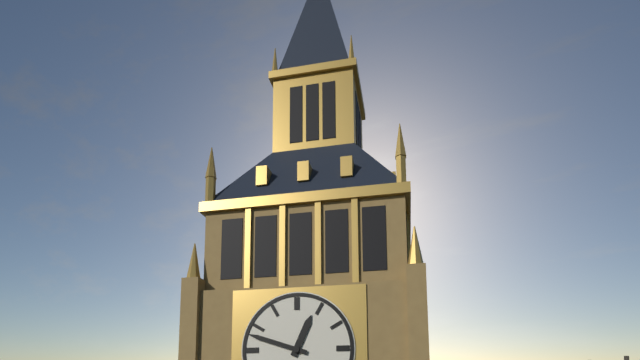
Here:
12,48
